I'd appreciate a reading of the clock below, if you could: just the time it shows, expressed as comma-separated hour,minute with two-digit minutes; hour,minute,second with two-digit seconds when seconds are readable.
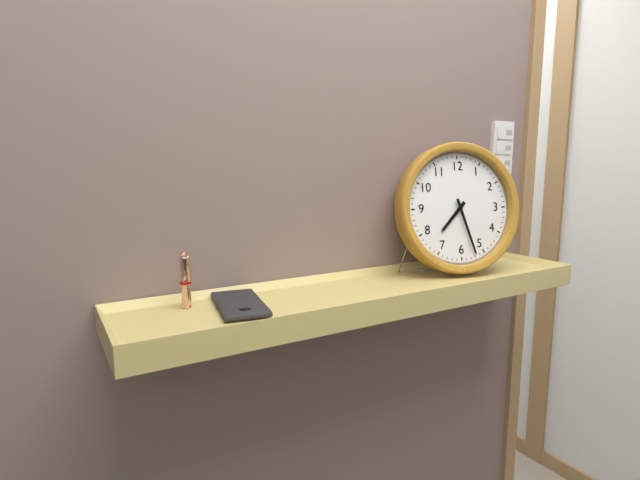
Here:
7,27
